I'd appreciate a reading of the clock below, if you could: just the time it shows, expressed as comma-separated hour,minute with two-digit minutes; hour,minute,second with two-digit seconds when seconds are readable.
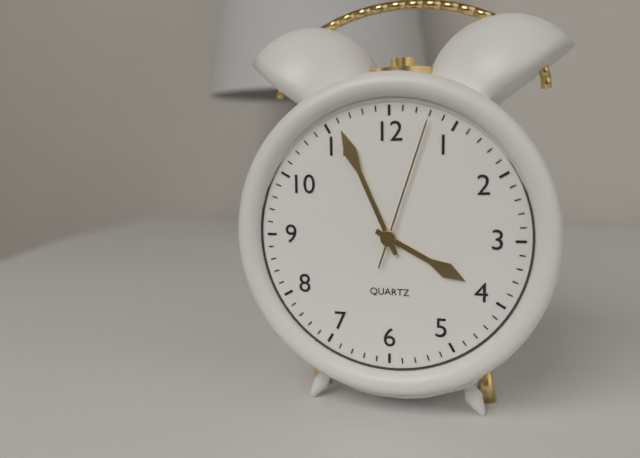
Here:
3,56,03
